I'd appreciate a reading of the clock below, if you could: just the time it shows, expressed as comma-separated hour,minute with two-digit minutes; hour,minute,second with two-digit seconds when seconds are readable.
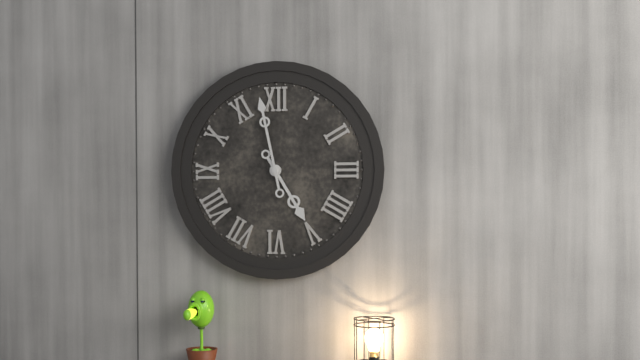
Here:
4,58
